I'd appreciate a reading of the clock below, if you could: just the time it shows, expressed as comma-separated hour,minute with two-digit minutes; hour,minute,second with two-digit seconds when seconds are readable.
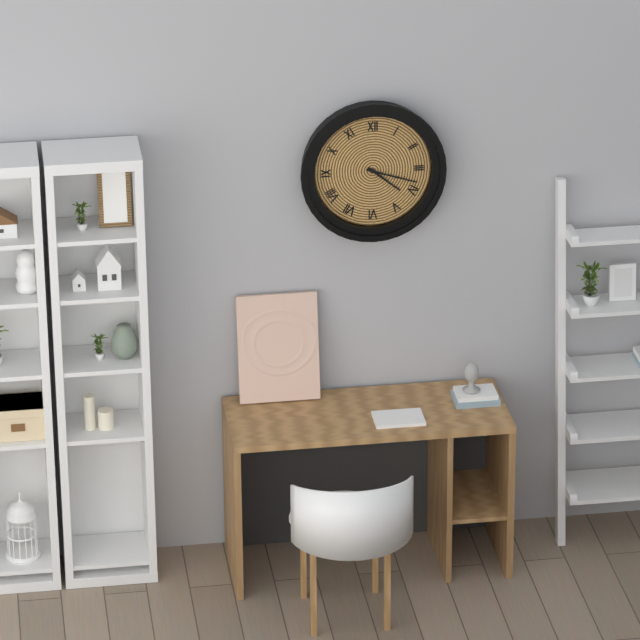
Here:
4,18
